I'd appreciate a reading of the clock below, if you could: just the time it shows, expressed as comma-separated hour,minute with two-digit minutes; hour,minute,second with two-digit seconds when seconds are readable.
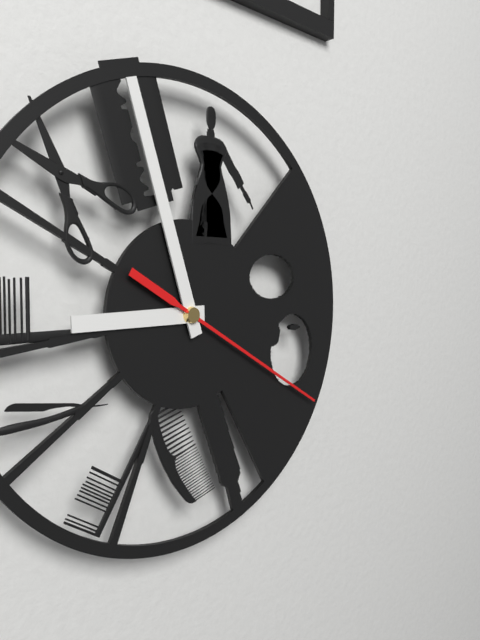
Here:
8,57,20
